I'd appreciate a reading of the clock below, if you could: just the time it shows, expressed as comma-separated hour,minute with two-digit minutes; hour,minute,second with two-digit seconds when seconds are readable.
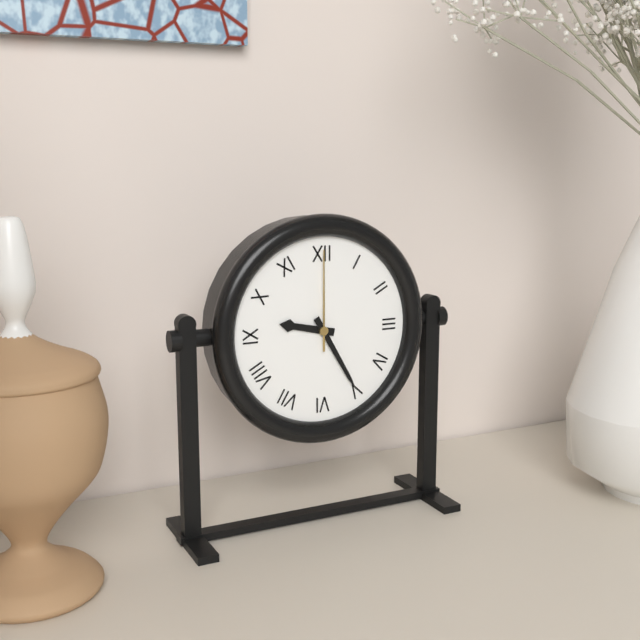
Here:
9,25,00
